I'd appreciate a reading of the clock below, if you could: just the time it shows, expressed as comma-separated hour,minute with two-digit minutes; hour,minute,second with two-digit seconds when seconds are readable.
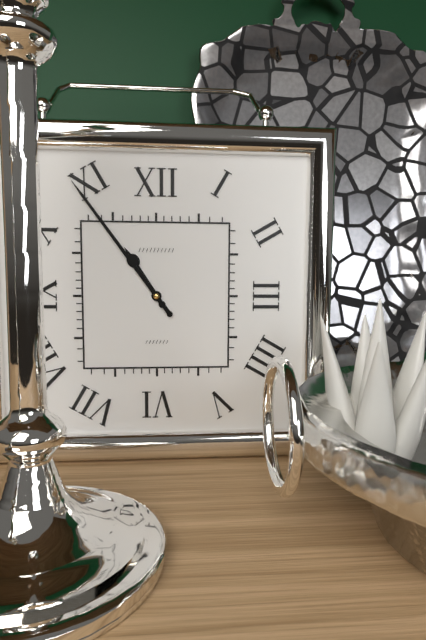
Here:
10,54
